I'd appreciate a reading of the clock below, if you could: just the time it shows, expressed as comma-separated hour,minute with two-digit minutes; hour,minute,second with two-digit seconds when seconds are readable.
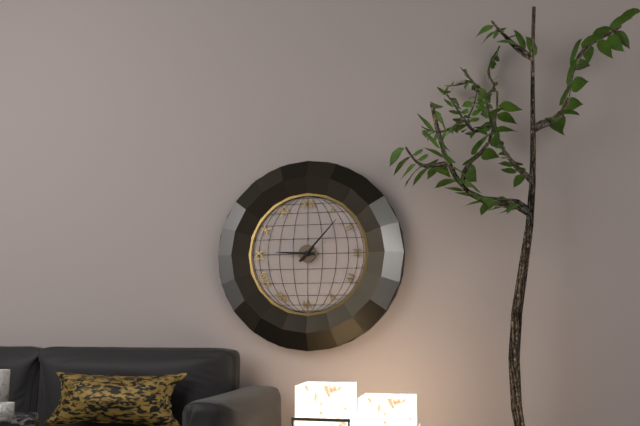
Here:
9,07
